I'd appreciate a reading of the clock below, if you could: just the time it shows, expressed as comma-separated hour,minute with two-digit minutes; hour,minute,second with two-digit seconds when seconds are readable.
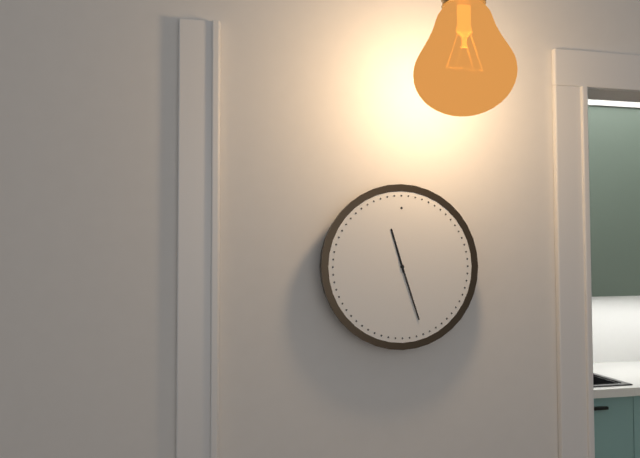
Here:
11,27
